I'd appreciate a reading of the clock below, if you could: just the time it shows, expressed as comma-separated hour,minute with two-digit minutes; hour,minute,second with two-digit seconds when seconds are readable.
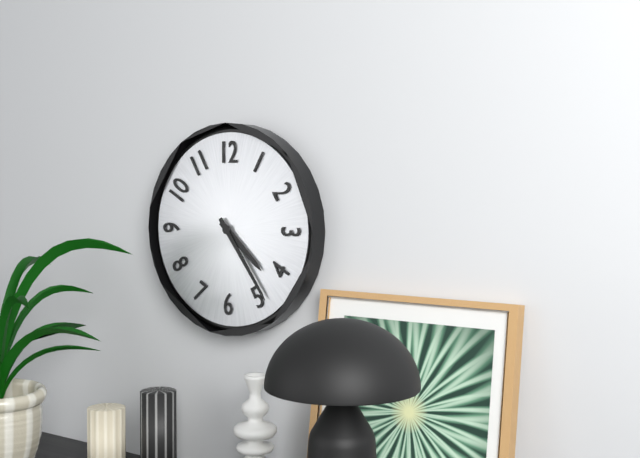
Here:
4,24
